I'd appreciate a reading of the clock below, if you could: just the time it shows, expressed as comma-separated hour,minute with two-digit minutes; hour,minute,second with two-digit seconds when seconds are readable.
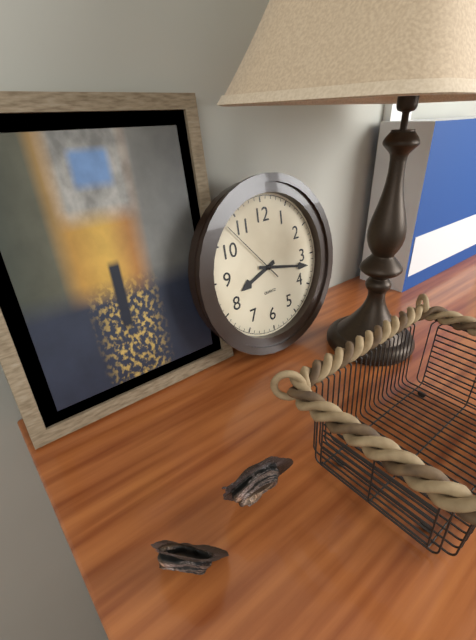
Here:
8,17,53
